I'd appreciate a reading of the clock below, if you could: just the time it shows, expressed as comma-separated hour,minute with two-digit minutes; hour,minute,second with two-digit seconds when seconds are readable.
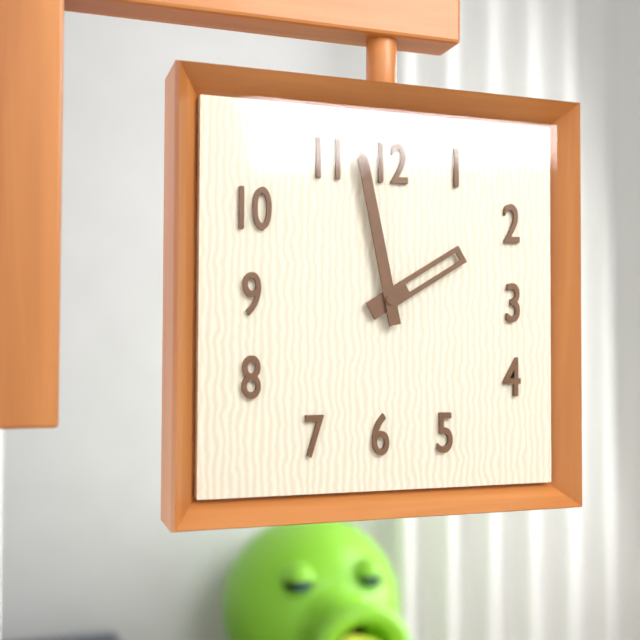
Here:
1,58
